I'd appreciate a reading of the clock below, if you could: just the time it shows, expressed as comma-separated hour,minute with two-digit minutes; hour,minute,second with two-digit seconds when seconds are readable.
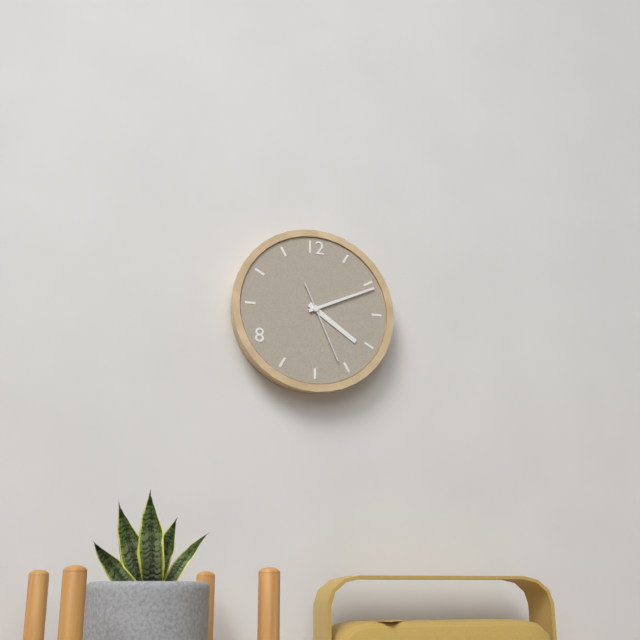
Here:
4,11,26
